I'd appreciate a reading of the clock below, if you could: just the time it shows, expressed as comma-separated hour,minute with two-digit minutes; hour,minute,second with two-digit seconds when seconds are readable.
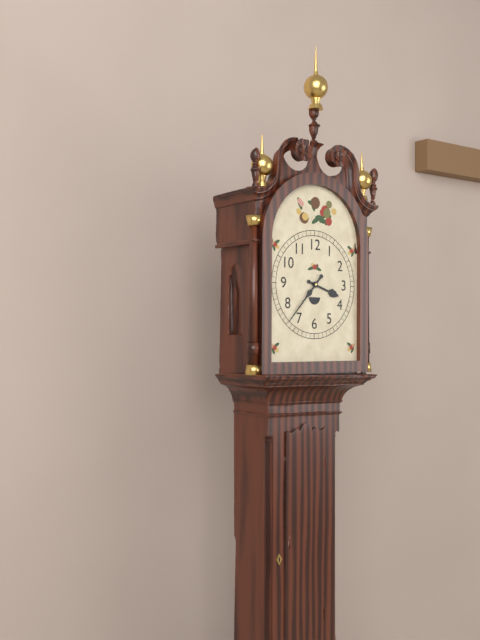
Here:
3,37
